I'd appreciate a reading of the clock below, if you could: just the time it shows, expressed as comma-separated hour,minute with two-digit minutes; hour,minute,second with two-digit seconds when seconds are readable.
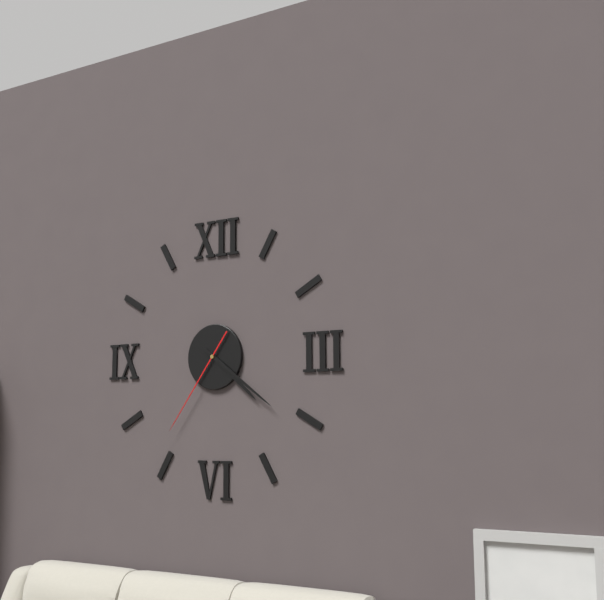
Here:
4,21,36
